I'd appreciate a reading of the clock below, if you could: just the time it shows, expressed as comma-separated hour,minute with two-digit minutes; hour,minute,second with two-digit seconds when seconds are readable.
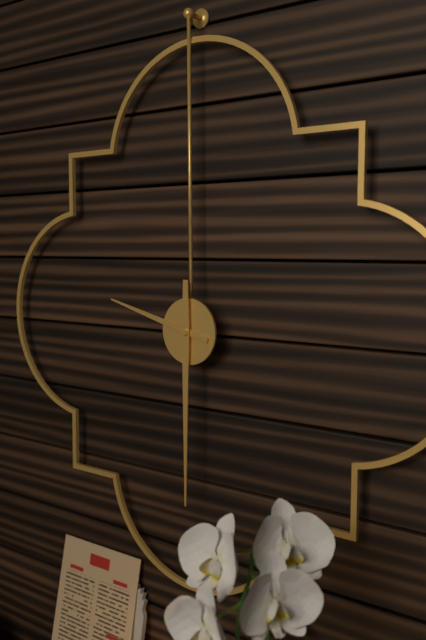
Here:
9,30
